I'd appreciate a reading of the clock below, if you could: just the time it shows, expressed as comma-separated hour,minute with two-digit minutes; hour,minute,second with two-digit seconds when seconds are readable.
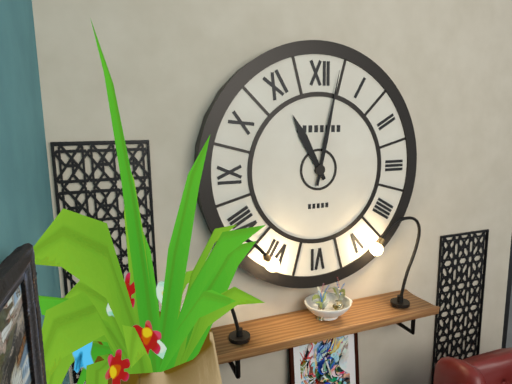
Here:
11,02
